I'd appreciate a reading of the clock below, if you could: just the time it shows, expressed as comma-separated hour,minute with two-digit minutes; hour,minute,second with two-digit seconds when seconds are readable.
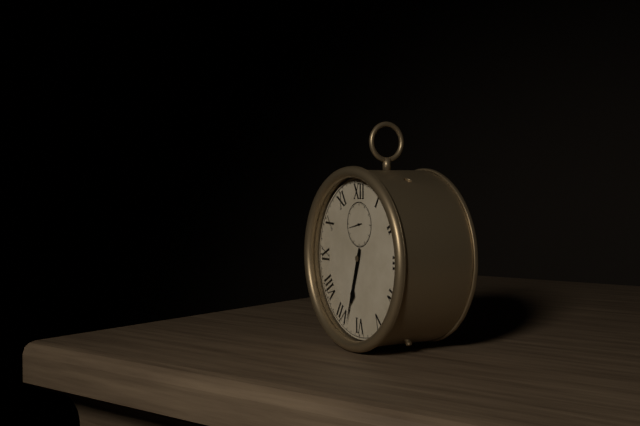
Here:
6,33
